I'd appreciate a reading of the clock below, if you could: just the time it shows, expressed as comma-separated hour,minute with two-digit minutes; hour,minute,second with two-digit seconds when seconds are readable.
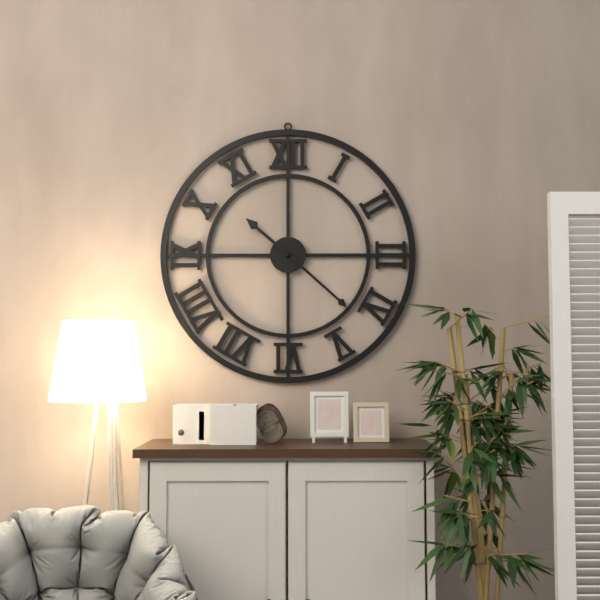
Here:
10,22
